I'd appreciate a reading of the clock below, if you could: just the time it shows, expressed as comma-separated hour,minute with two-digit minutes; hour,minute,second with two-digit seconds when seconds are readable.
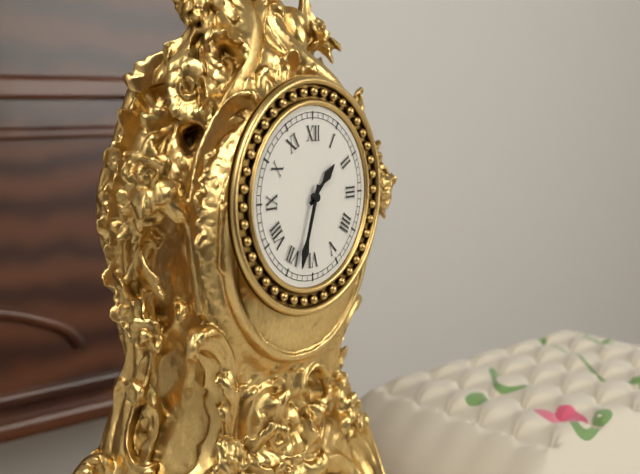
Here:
1,33
